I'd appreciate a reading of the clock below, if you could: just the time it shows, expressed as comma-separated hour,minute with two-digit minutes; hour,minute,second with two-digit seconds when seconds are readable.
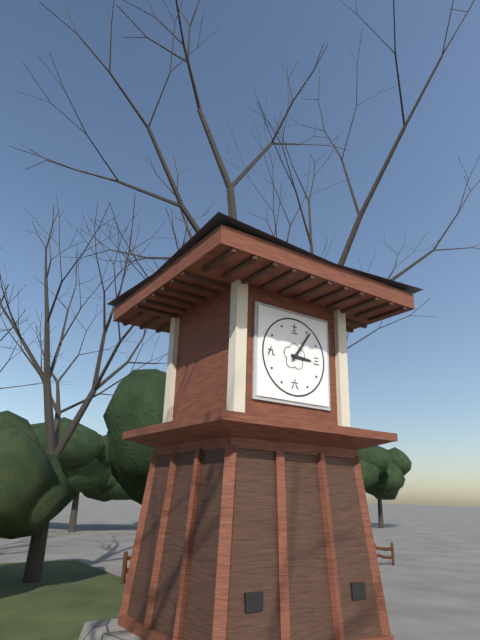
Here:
3,06
